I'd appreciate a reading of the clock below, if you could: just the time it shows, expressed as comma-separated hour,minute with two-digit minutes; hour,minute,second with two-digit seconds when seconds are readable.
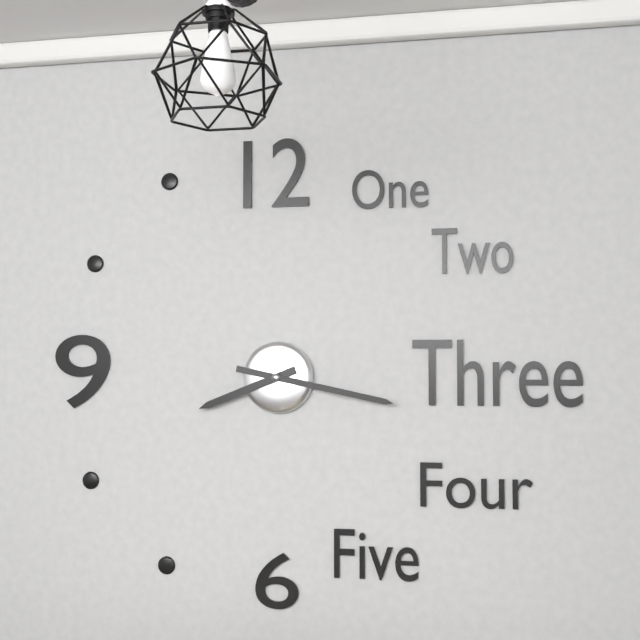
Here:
8,17
